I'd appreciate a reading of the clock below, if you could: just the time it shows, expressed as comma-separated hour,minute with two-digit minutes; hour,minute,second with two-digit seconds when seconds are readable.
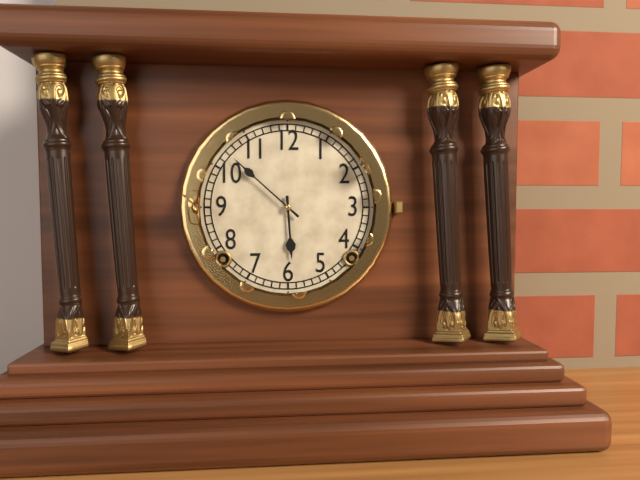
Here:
5,52
